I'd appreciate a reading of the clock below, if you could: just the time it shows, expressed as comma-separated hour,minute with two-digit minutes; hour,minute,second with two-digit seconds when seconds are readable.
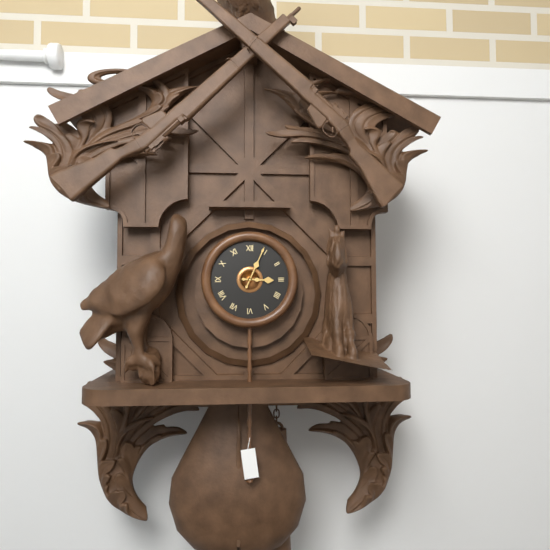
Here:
3,04
